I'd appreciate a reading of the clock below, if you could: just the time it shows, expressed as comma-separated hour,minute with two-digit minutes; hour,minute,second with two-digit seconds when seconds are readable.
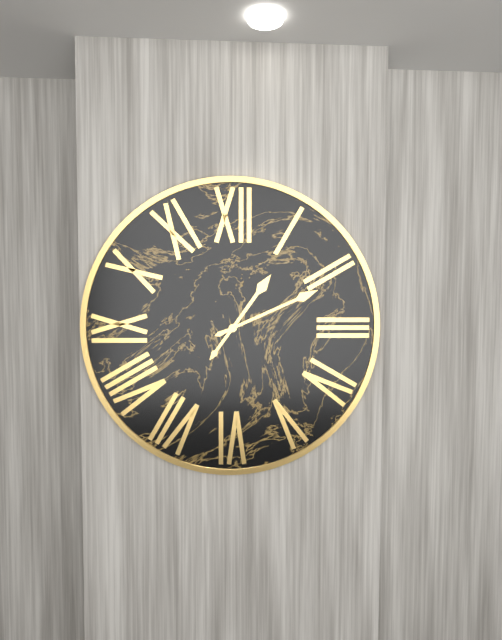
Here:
1,11
